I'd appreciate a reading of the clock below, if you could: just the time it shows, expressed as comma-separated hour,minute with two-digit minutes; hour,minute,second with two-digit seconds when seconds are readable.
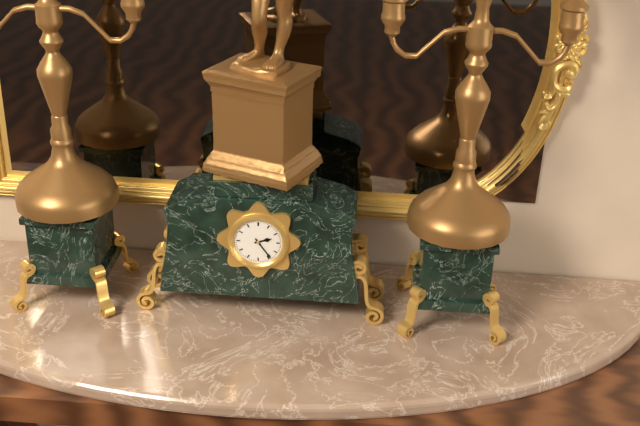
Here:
2,24
